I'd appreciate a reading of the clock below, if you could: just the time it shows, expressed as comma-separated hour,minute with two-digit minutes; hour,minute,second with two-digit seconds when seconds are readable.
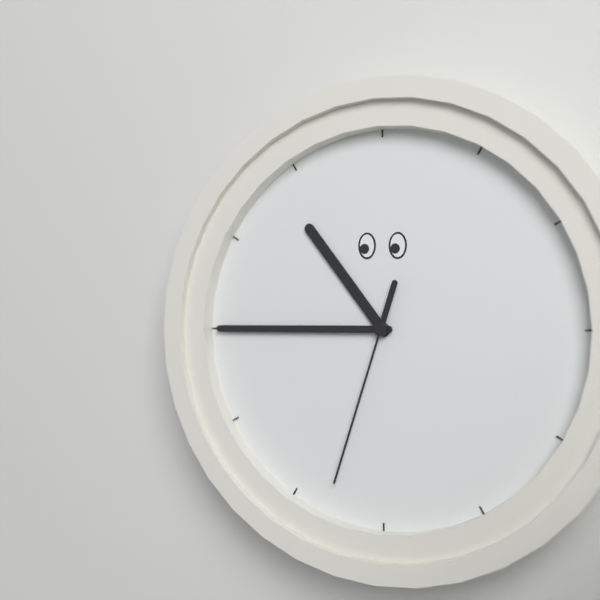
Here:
10,45,33
